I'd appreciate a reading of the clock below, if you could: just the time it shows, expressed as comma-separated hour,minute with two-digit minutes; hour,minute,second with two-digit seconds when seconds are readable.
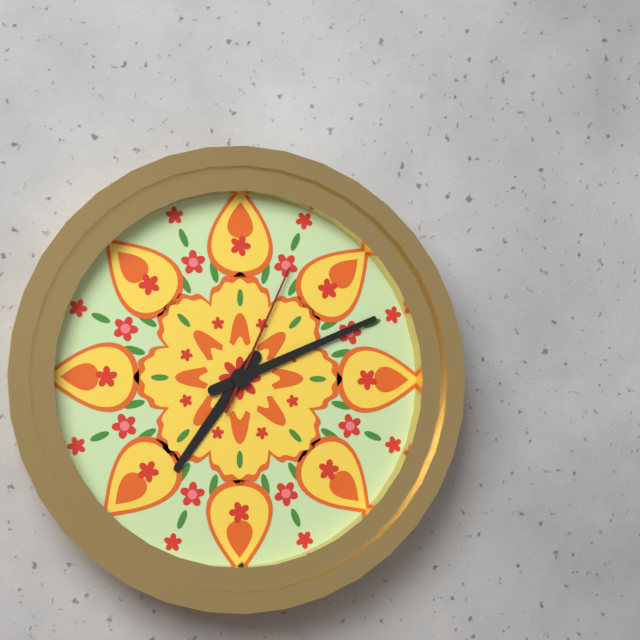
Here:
7,11,04
